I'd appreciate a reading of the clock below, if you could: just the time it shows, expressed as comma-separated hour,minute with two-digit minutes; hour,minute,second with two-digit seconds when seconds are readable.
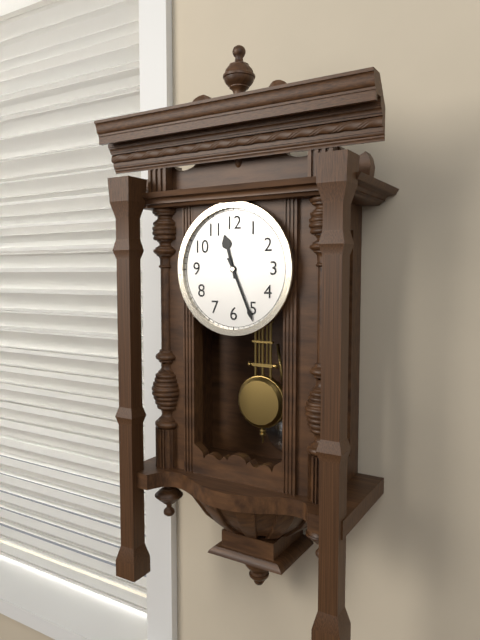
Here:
11,26
